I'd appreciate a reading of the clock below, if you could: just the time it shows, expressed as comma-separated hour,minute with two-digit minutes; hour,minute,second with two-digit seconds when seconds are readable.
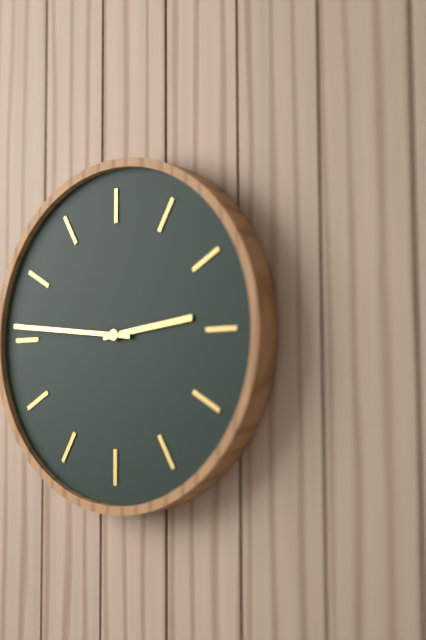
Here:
2,46
